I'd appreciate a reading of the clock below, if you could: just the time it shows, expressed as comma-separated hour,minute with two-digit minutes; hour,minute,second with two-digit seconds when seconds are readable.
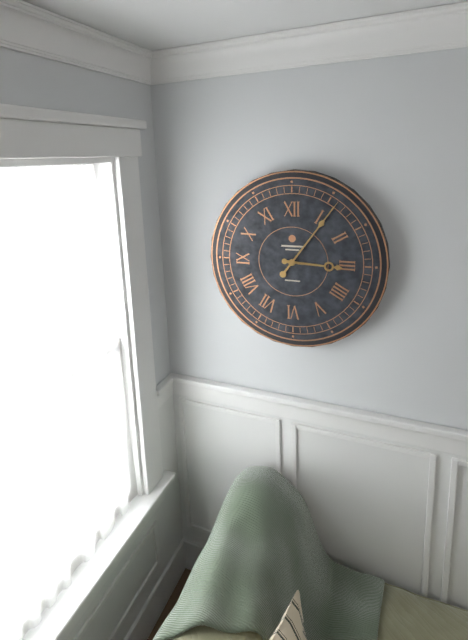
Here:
3,06
